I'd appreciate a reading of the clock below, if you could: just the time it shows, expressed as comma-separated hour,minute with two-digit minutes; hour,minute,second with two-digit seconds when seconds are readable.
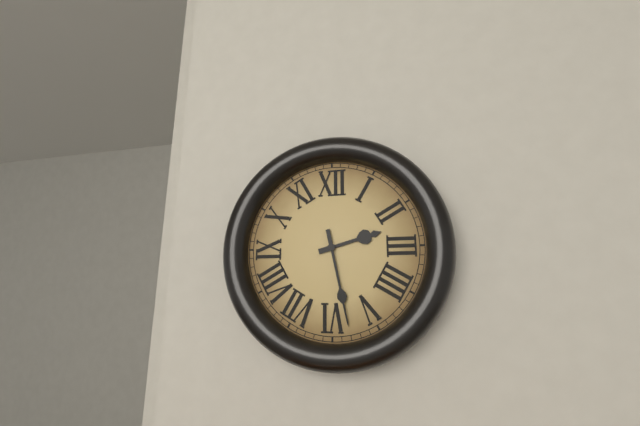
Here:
2,28
